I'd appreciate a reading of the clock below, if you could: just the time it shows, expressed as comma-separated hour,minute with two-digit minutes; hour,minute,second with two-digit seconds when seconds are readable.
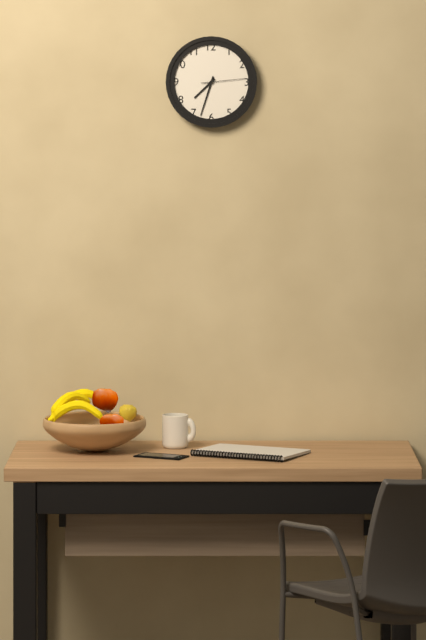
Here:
7,33
